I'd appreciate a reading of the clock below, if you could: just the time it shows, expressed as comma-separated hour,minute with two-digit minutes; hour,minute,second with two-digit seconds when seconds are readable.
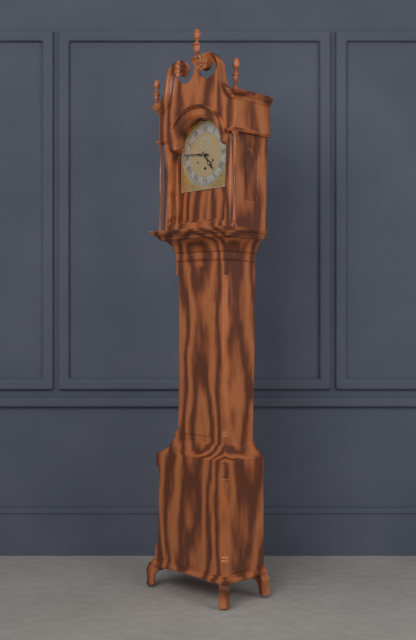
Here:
4,46
